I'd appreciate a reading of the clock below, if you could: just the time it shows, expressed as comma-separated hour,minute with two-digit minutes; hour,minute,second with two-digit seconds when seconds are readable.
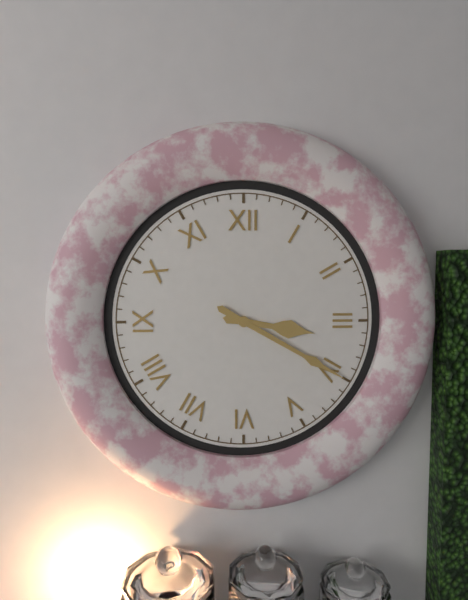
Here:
3,20
